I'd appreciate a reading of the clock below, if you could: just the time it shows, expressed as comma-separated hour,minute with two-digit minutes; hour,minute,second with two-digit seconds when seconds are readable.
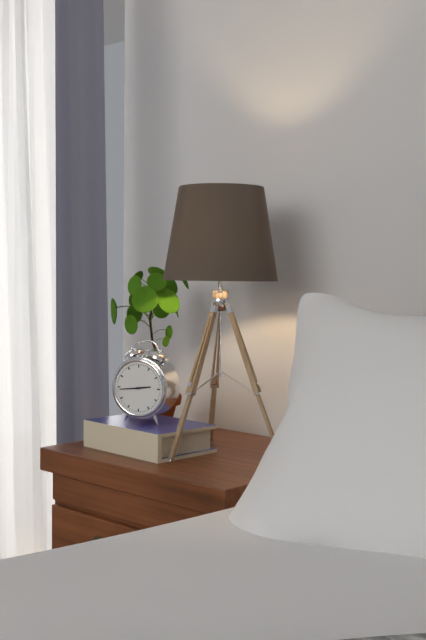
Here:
2,44
